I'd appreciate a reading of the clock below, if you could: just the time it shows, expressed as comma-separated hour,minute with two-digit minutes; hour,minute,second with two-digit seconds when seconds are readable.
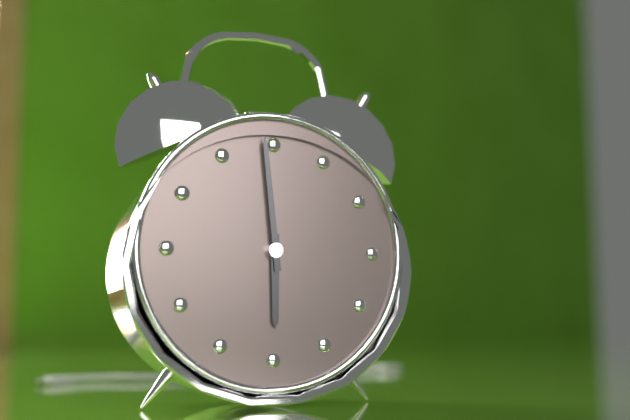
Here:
5,59
